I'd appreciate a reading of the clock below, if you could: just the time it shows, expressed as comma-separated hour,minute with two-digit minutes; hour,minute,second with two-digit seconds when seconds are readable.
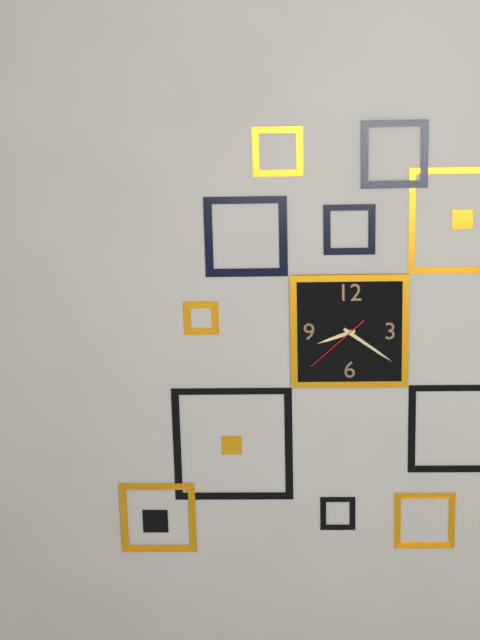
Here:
8,21,38
